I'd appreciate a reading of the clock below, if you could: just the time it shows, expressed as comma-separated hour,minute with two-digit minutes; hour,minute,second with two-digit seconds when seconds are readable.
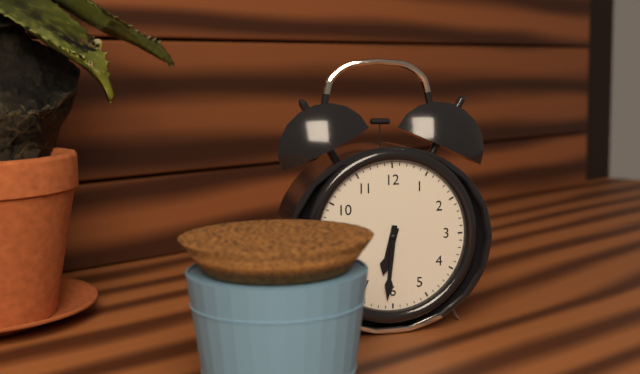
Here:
6,31
